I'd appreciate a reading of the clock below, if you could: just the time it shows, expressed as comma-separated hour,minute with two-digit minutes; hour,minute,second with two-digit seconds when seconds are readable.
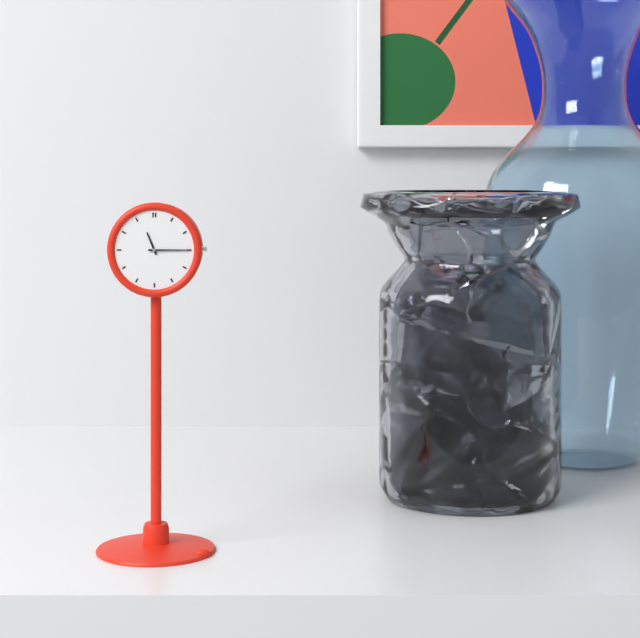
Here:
11,15
